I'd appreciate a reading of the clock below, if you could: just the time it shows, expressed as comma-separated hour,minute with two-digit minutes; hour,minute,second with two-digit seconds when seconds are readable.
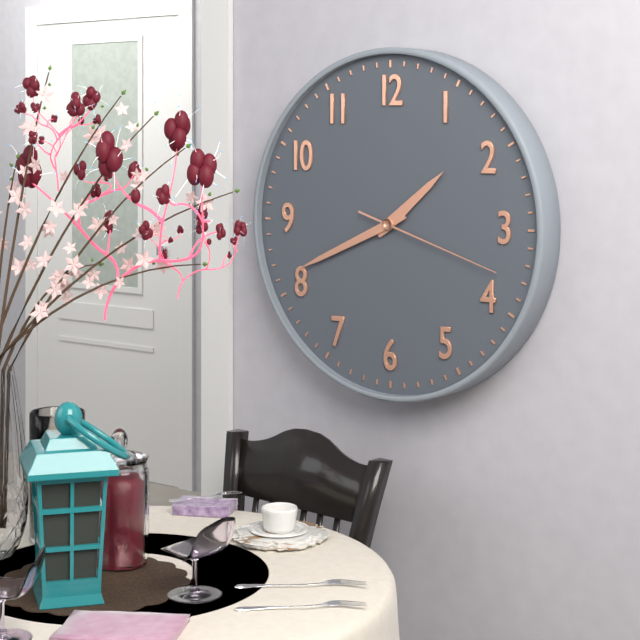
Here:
1,41,18
